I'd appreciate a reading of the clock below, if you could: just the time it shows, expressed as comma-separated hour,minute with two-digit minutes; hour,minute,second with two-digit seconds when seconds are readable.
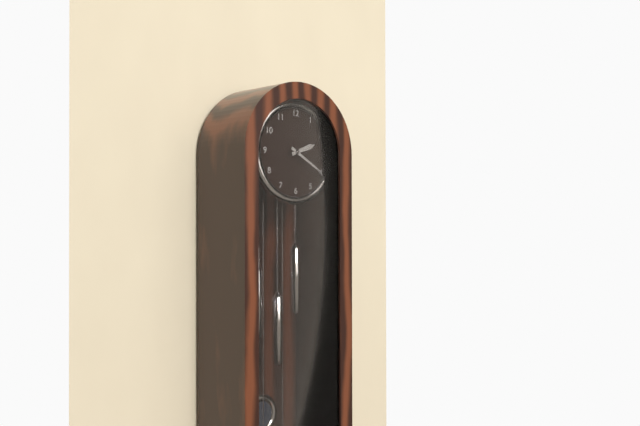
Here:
2,20
